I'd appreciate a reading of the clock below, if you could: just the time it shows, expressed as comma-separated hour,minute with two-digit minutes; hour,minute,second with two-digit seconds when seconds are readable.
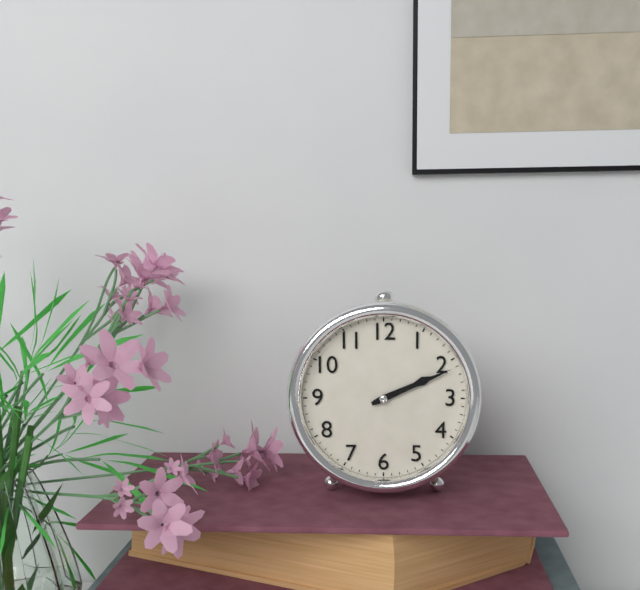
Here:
2,11
